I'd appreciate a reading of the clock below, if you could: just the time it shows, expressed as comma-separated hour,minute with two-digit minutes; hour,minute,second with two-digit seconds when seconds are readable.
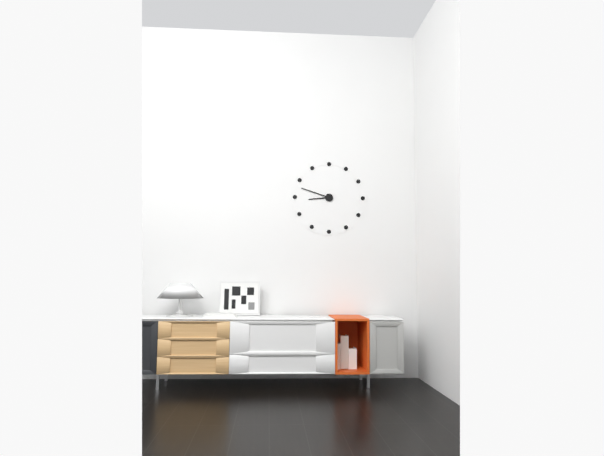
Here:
8,48
